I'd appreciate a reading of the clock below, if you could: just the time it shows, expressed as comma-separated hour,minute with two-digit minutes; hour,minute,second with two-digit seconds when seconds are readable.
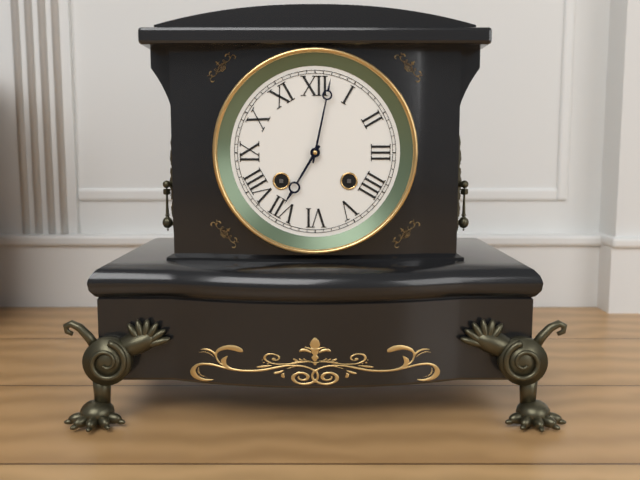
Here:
7,02
